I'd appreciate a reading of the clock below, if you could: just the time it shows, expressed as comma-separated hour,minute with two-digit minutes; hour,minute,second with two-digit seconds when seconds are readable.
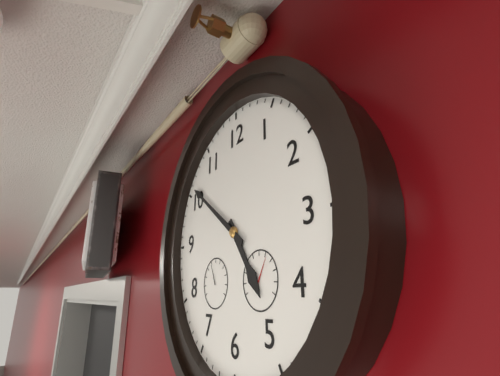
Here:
4,51
